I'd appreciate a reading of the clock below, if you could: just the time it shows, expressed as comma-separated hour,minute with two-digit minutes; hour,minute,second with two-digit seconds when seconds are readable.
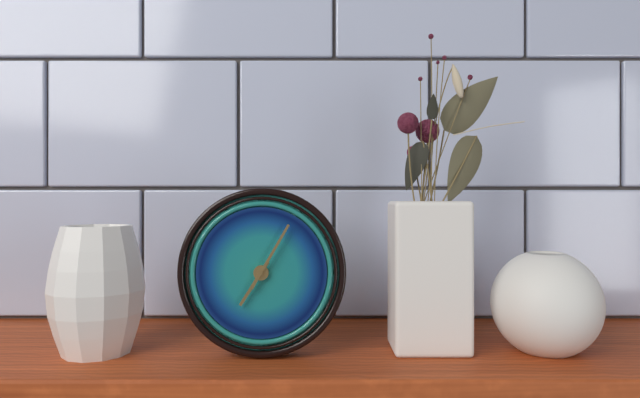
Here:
7,05
